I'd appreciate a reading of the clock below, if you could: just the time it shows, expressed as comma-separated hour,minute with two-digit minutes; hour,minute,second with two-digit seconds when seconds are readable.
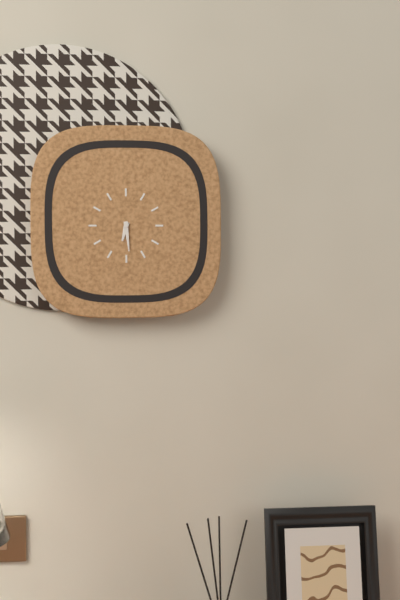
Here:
6,29
